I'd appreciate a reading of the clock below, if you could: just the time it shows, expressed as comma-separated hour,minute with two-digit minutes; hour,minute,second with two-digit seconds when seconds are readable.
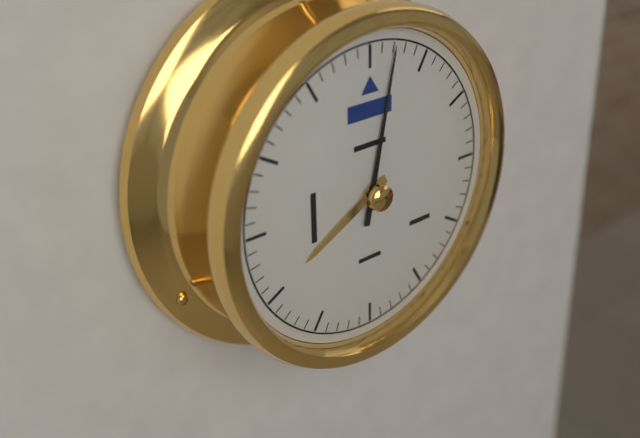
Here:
8,02
